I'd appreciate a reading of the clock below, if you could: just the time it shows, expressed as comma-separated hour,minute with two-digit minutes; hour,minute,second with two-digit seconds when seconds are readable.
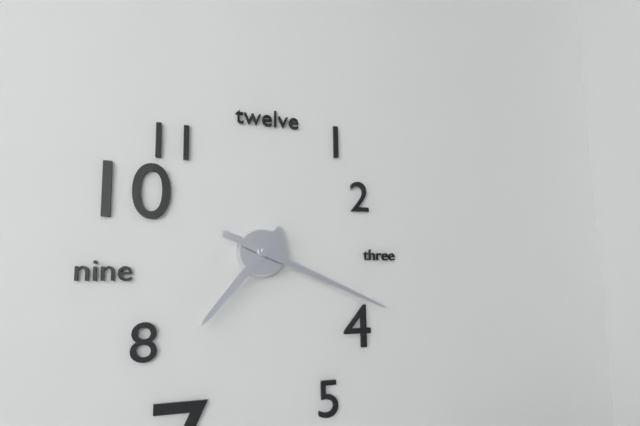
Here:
7,19
